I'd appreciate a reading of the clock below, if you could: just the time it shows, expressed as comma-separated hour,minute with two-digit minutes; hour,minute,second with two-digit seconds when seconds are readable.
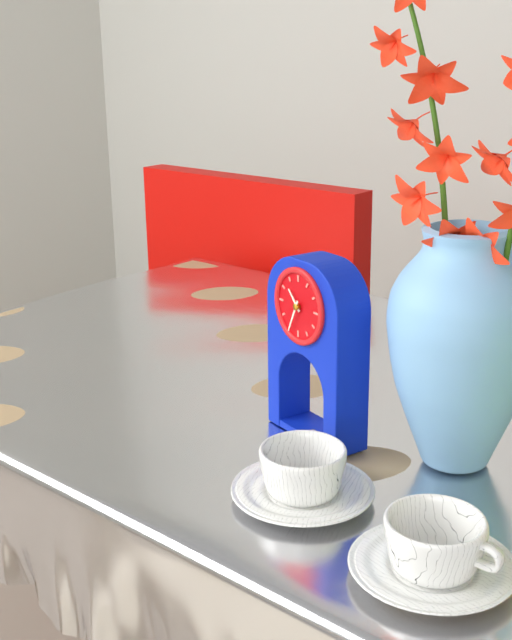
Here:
10,34
